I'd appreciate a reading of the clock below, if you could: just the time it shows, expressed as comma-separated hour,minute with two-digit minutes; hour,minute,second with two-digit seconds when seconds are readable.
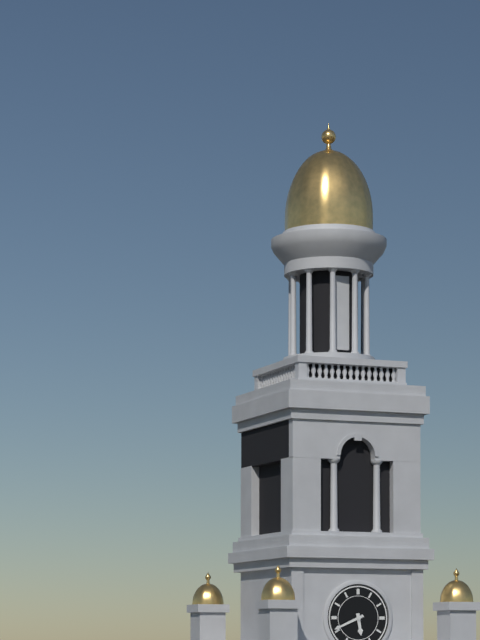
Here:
5,41
